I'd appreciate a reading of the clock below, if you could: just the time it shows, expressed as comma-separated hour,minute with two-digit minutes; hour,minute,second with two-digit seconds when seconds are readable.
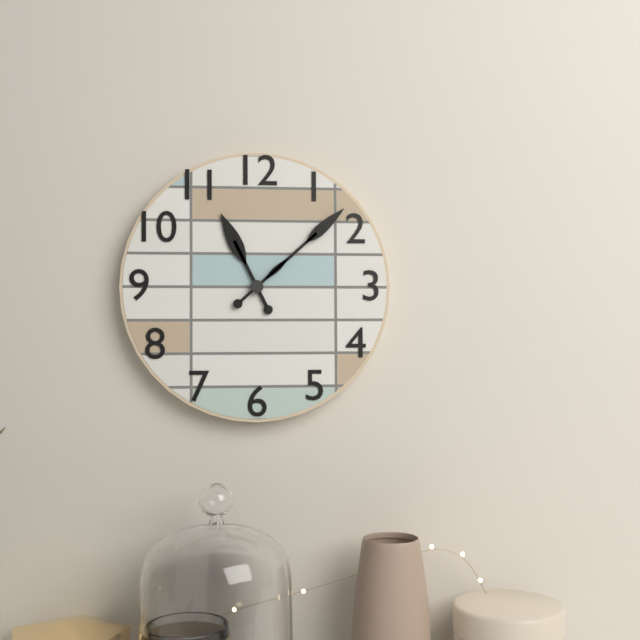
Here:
11,08
